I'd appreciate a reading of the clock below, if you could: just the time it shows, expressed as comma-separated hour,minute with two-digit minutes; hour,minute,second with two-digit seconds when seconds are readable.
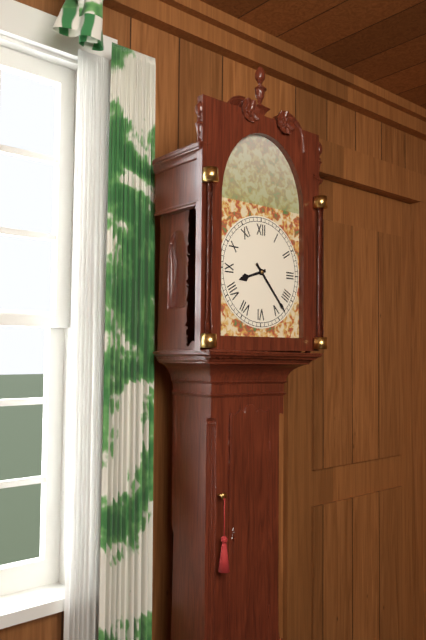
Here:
8,23
